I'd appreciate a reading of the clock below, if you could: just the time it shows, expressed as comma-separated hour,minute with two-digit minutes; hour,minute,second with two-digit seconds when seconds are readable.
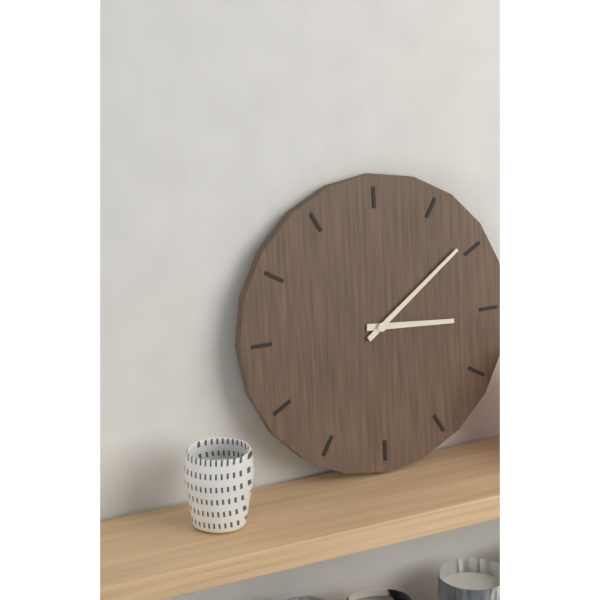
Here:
3,09
